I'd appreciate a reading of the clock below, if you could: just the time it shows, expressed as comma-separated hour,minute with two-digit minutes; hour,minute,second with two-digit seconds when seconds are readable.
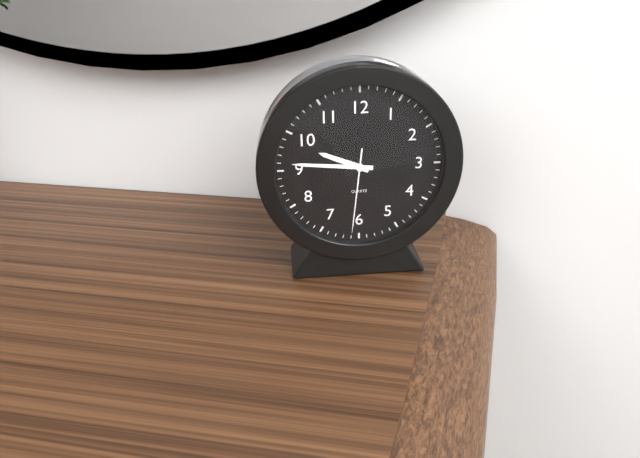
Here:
9,46,31
